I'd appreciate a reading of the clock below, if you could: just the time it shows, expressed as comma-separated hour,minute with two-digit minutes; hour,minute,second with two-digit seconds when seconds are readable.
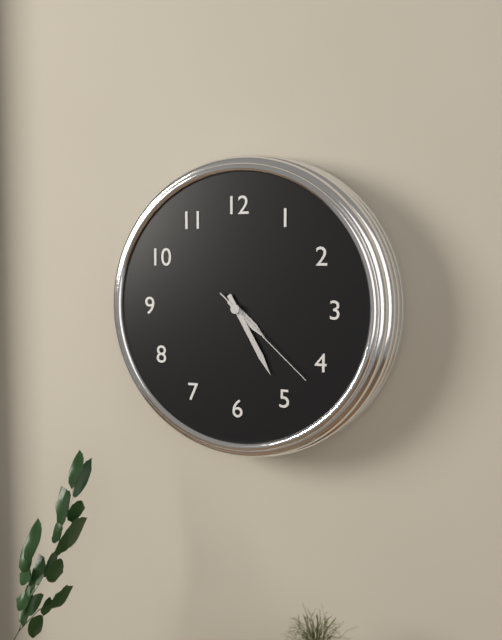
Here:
4,25,22
